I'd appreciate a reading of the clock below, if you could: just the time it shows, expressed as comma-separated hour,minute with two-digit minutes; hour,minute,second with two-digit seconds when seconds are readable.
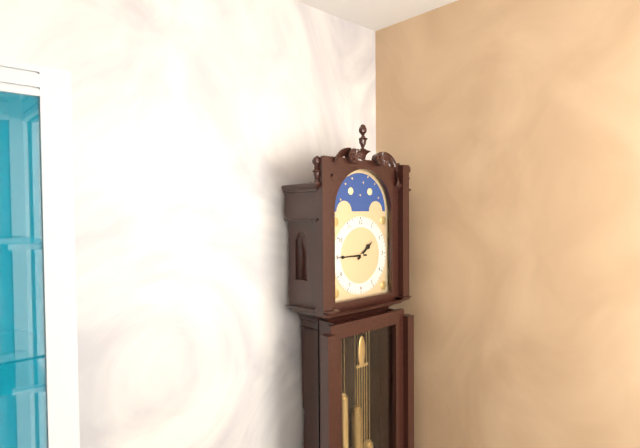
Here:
1,45
